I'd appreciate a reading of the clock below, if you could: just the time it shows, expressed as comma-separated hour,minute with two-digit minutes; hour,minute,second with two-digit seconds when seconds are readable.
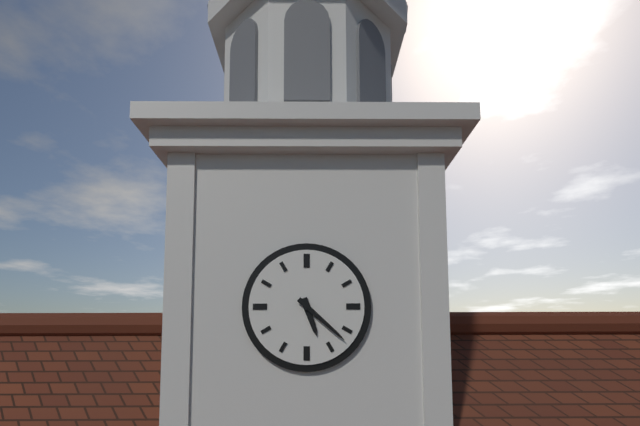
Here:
5,22
